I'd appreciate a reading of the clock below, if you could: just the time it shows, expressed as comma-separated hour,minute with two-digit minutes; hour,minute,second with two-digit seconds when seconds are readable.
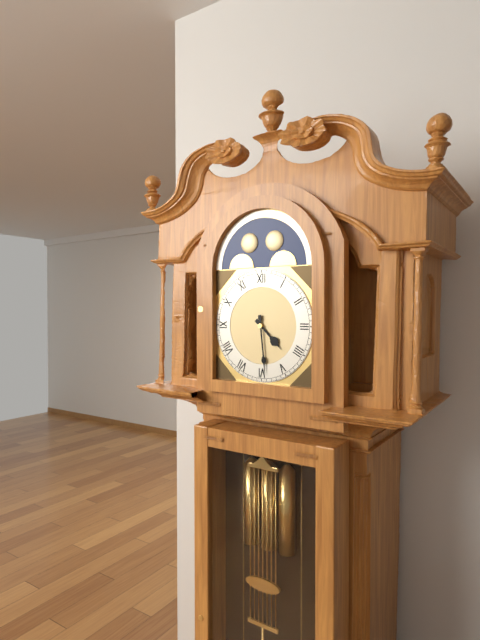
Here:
4,29
